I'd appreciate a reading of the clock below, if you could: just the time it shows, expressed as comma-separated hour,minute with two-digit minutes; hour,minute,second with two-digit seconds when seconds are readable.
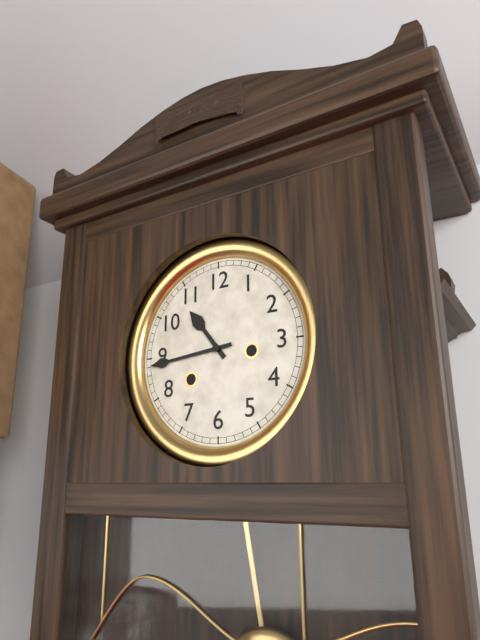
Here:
10,44
